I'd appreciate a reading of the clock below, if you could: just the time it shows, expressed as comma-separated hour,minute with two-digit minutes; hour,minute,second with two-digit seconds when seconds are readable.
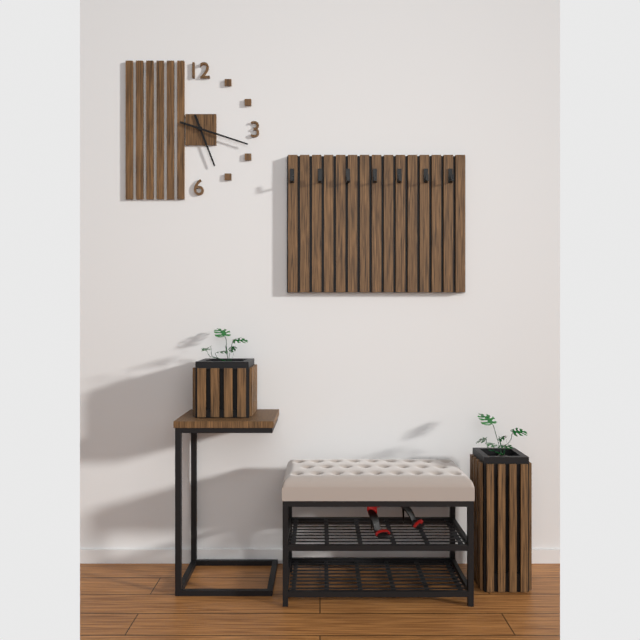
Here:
5,18
